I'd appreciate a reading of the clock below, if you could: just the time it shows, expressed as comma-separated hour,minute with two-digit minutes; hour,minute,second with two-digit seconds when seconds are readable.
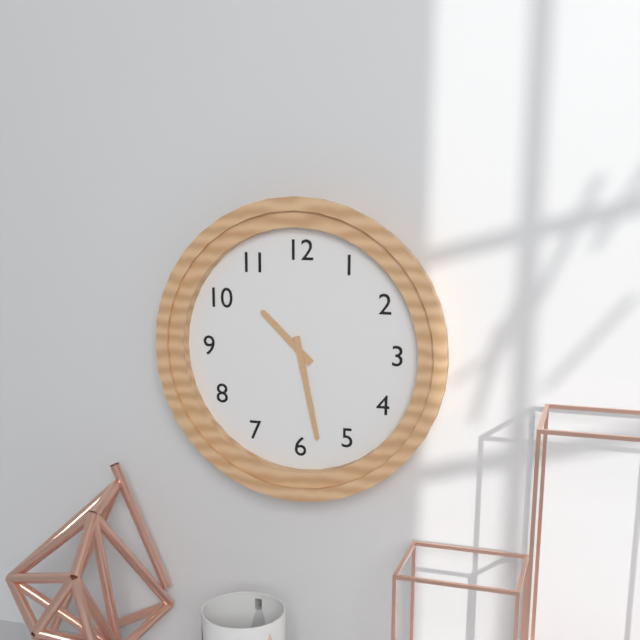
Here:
10,28
